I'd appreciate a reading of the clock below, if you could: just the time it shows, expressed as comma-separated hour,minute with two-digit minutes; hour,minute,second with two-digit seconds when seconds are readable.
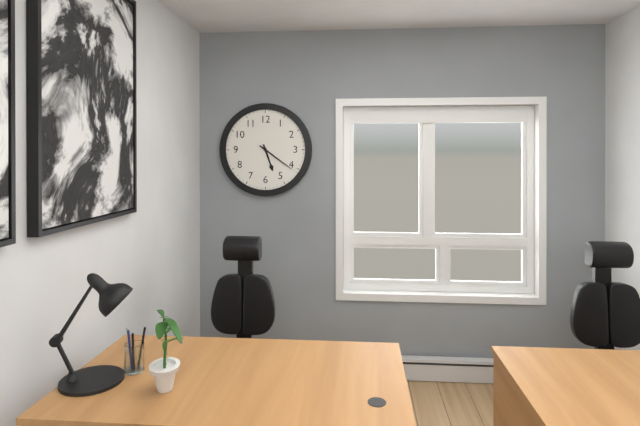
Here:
5,21
